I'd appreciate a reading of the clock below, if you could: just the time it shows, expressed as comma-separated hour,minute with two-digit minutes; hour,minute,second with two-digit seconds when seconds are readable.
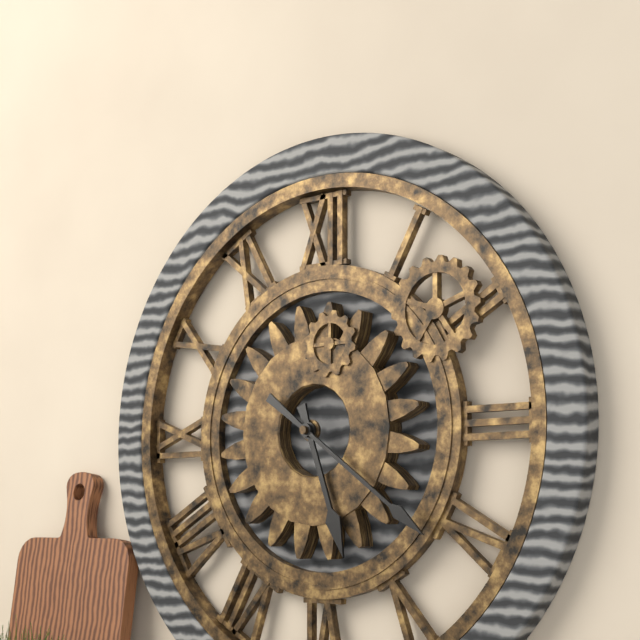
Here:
5,21
